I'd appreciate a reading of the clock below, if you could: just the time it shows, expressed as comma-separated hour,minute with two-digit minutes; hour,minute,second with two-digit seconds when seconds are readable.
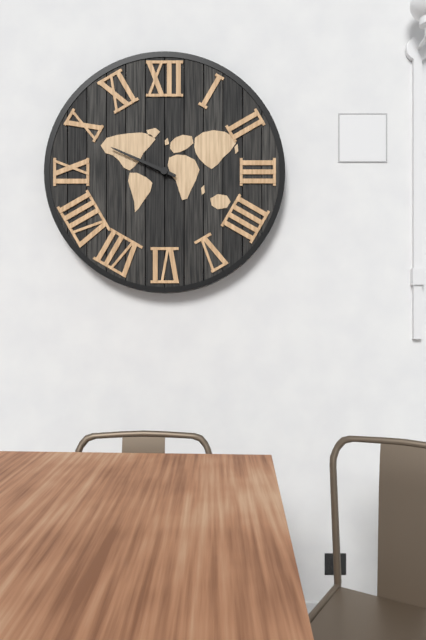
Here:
9,49
